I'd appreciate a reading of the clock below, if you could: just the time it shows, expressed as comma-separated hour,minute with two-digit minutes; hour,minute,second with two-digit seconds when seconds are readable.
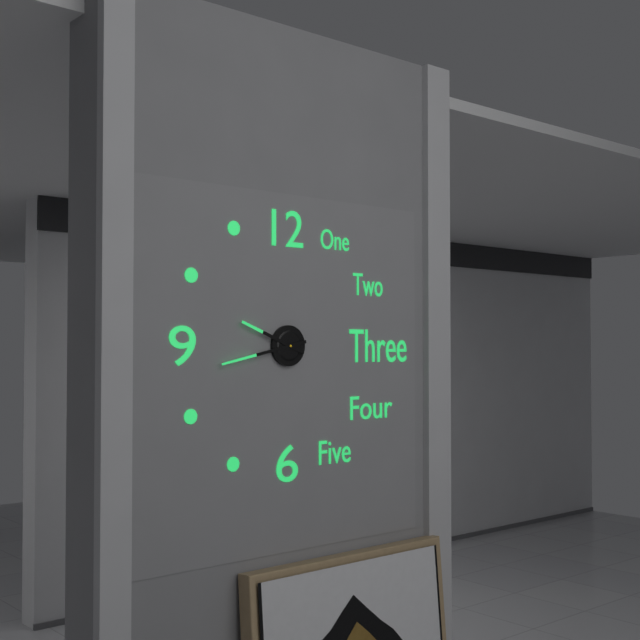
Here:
9,43
